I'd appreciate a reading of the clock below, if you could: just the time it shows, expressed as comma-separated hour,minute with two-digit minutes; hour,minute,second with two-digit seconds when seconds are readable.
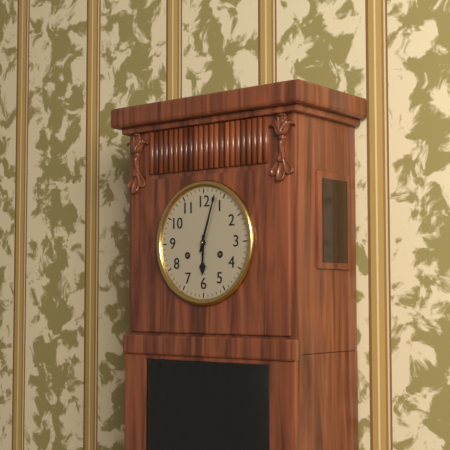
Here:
6,03
